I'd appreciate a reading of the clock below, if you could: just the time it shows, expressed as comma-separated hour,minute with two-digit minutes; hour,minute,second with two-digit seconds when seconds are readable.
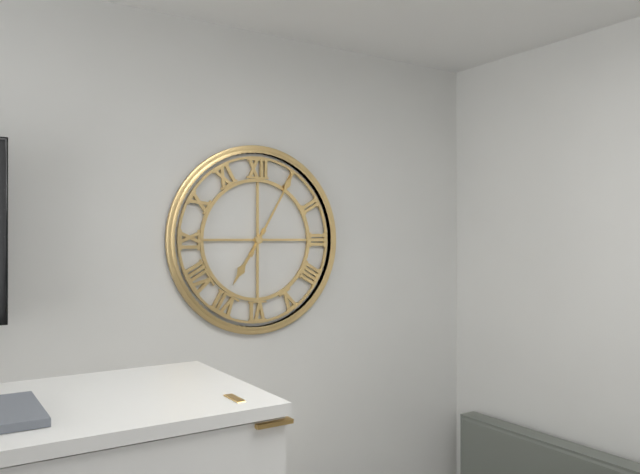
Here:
7,05
